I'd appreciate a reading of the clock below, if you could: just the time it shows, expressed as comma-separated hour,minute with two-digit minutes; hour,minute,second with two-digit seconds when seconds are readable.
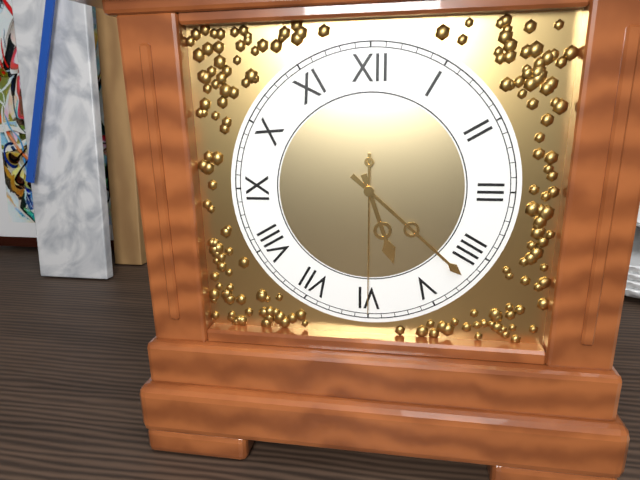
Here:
5,22,30
